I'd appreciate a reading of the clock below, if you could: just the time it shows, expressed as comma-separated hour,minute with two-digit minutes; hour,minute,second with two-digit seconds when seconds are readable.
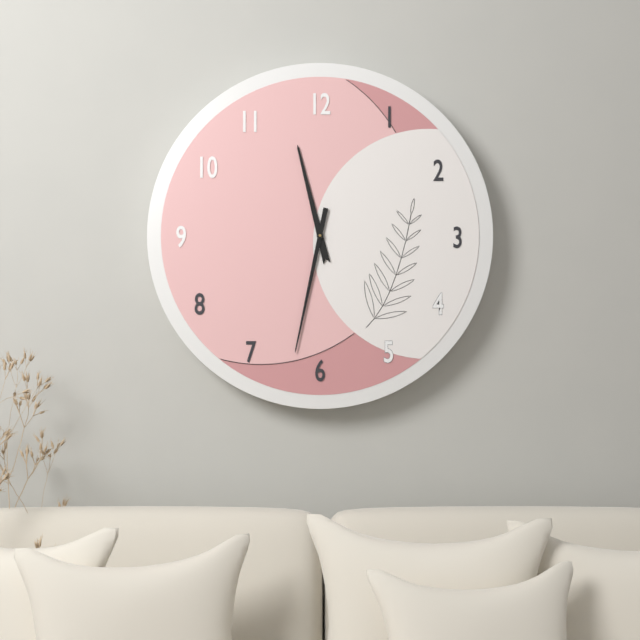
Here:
11,32
